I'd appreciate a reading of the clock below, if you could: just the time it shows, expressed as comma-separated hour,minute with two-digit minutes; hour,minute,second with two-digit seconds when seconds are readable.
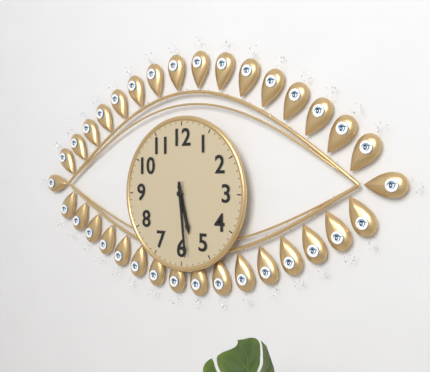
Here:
5,29
